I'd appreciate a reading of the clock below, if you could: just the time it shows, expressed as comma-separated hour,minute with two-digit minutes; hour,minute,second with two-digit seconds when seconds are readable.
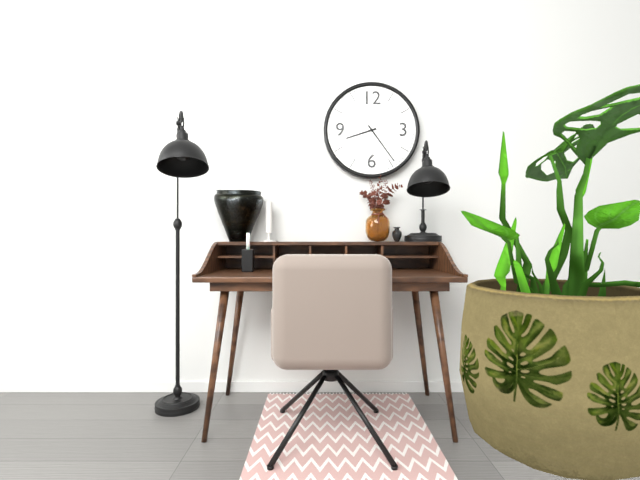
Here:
8,24
